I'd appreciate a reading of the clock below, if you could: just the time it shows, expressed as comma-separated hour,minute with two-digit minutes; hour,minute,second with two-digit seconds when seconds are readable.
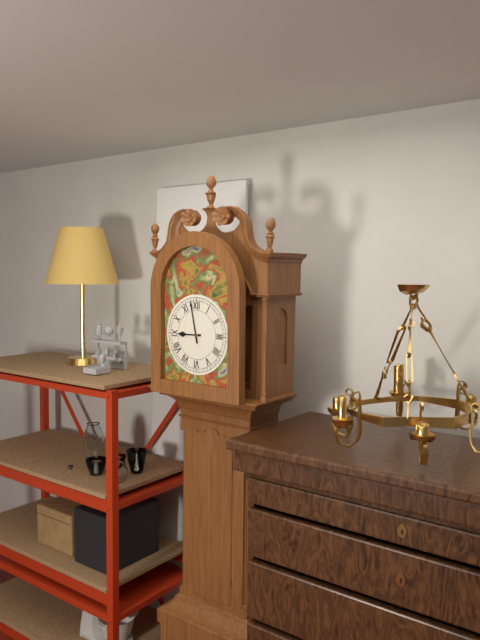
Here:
8,58
